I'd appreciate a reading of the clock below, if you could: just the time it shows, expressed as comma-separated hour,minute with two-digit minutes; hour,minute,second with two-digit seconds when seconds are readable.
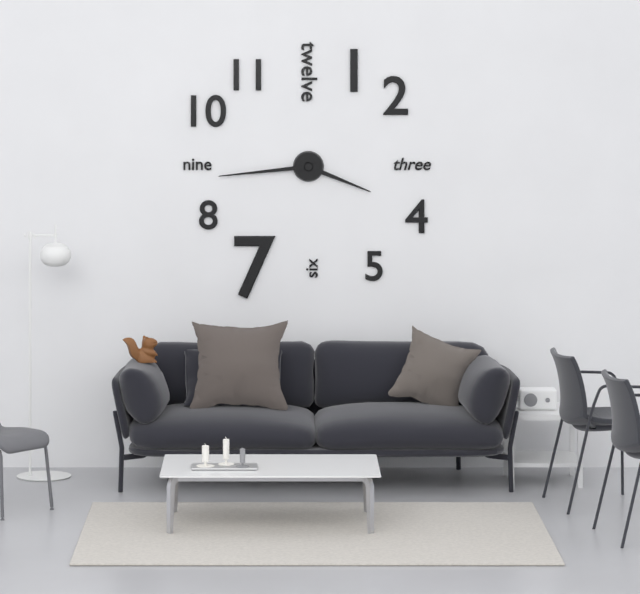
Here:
3,44
